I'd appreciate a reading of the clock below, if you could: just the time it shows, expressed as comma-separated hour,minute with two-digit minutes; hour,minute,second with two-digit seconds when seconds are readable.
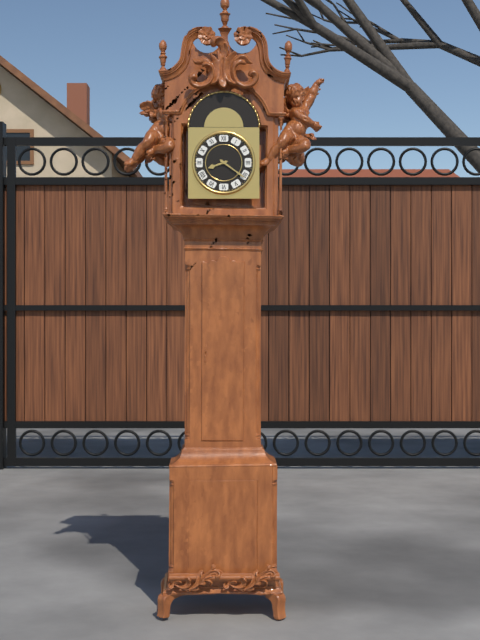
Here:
8,21
